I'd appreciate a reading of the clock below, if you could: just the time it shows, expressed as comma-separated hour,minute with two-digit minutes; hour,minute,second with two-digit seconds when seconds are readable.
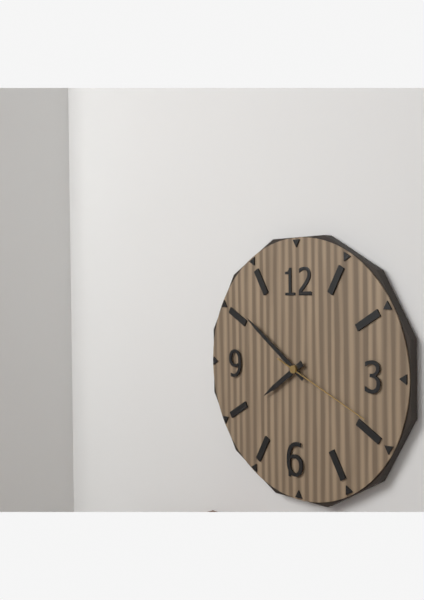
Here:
7,51,19
